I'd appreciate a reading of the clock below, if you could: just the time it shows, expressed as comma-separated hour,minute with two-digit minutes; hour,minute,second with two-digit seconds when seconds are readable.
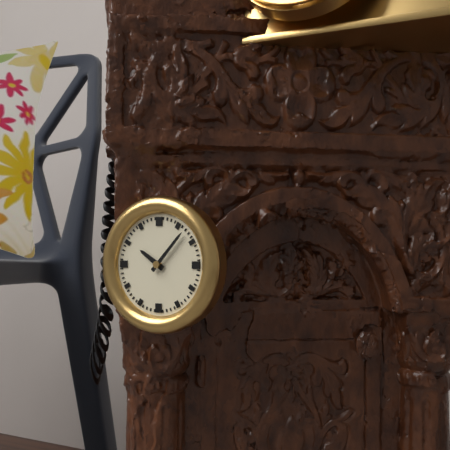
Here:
10,07
